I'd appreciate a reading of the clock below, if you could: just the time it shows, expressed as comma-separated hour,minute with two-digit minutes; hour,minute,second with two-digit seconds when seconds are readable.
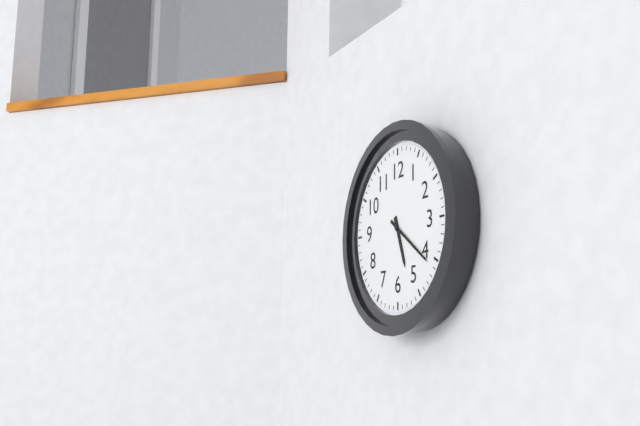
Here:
5,21
